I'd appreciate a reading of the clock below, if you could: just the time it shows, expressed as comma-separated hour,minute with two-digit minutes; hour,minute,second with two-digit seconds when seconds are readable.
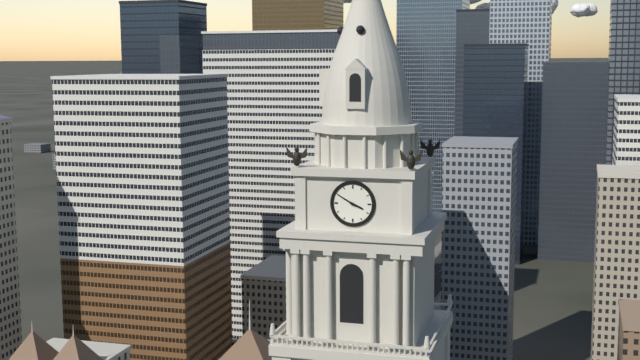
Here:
3,50
